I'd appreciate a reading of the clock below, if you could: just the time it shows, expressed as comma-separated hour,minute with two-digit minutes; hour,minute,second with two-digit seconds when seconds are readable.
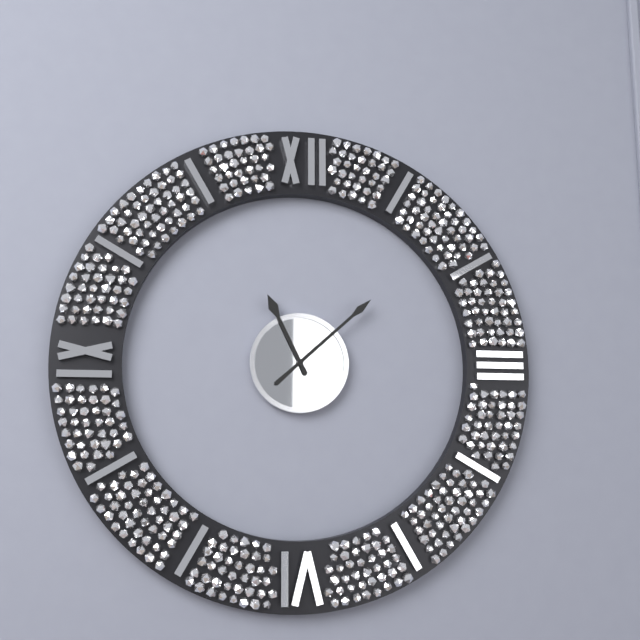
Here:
11,08
